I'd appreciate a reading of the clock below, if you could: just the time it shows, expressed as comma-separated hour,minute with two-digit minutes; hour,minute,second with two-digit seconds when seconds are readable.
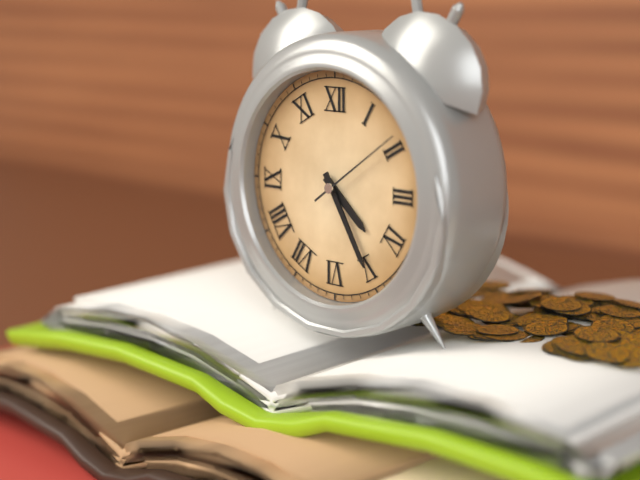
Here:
4,25,09
